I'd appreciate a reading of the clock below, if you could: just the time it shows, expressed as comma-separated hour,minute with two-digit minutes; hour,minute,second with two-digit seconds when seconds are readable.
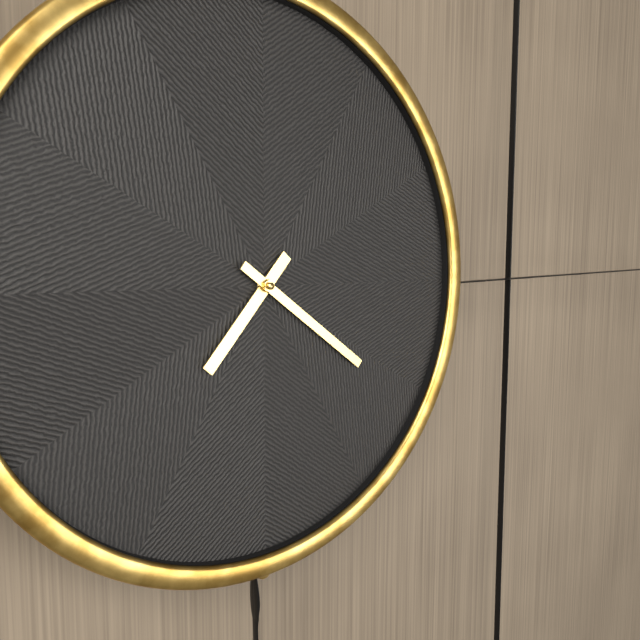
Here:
7,21
